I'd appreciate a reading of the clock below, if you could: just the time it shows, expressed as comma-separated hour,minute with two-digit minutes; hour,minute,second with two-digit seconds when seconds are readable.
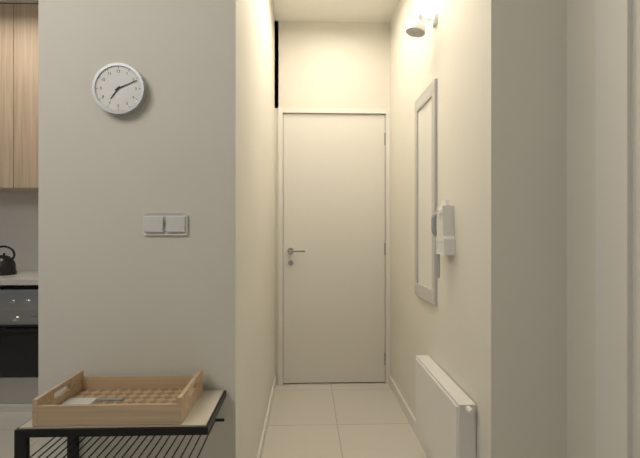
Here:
7,11
